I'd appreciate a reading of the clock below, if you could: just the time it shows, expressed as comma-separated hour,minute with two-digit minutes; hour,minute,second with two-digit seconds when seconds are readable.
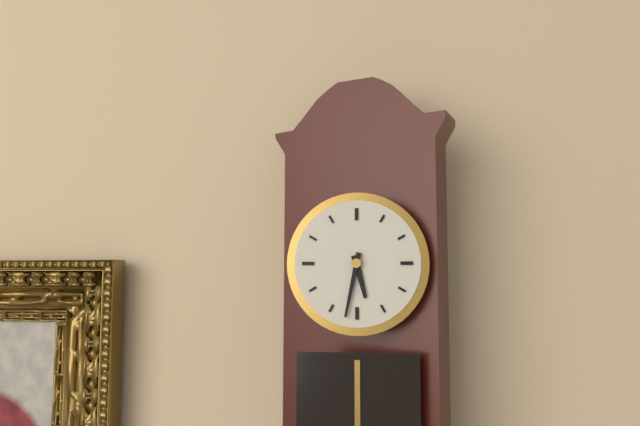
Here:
5,32
